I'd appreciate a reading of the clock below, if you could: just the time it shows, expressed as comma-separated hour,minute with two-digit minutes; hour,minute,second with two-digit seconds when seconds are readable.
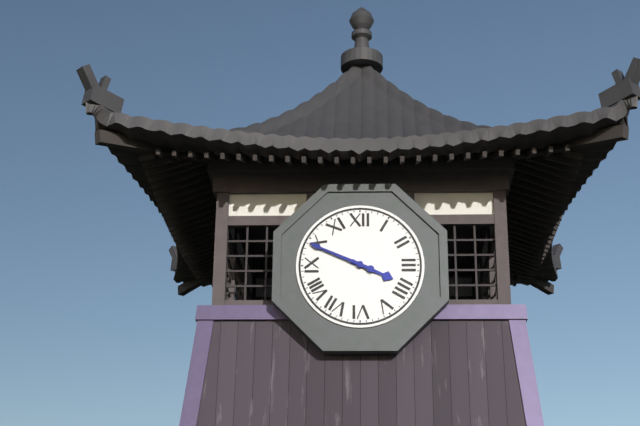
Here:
3,49
